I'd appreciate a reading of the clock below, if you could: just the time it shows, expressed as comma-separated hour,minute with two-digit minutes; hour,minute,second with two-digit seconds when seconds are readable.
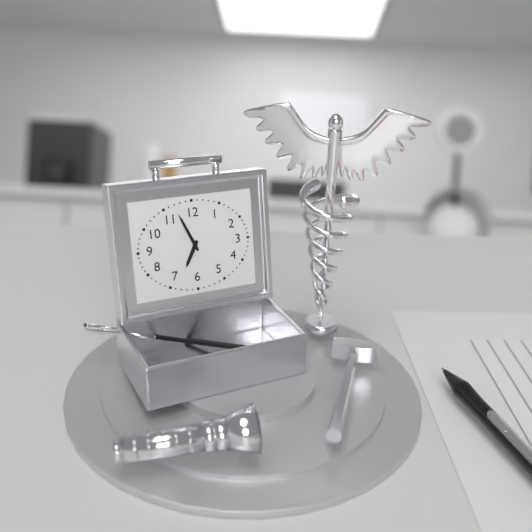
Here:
6,56
